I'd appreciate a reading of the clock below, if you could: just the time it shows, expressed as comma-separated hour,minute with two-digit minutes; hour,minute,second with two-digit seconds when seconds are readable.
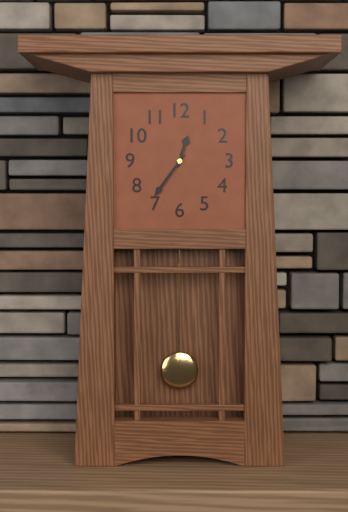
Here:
12,36
